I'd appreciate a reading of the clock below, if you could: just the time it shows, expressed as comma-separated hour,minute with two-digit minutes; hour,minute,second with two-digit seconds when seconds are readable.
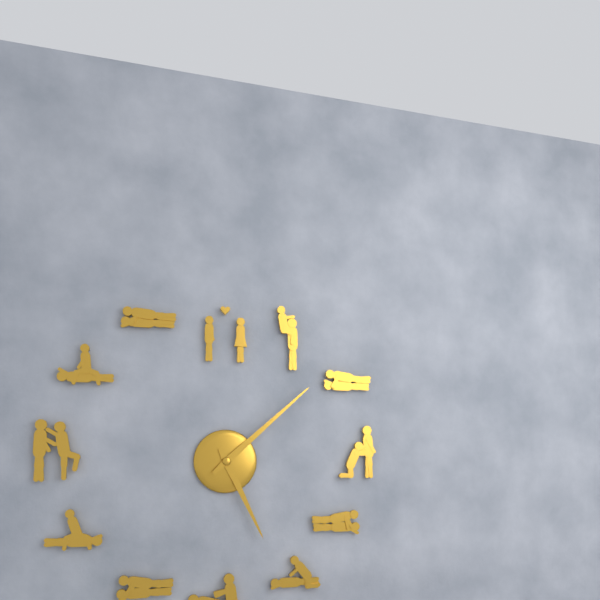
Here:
5,08
